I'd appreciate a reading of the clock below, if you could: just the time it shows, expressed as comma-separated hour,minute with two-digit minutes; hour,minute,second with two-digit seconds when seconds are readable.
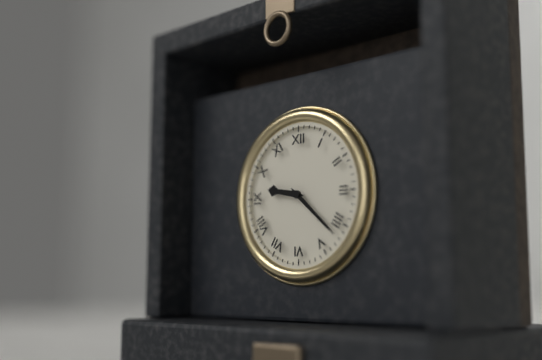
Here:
9,22
